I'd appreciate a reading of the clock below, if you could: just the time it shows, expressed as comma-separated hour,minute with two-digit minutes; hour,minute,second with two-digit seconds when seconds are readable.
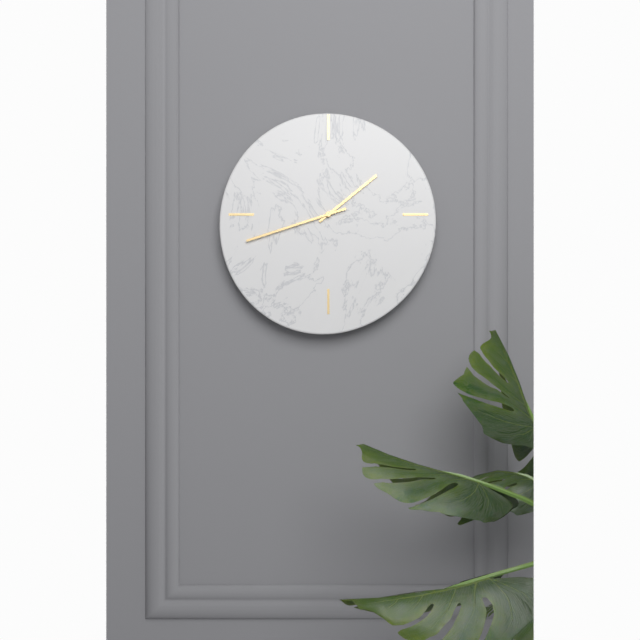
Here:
1,42
